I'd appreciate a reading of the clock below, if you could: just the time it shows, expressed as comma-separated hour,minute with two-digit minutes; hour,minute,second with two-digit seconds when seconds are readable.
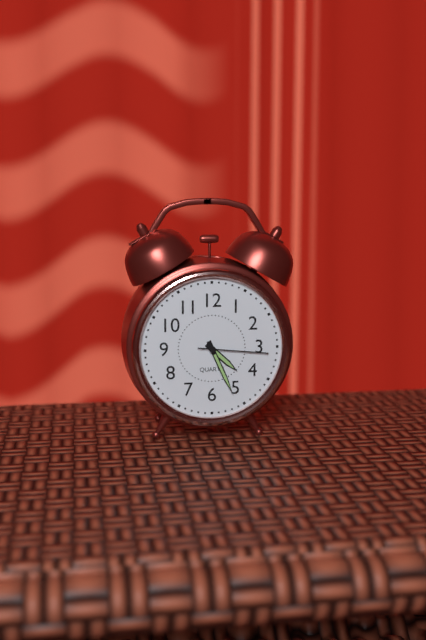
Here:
4,26,16
